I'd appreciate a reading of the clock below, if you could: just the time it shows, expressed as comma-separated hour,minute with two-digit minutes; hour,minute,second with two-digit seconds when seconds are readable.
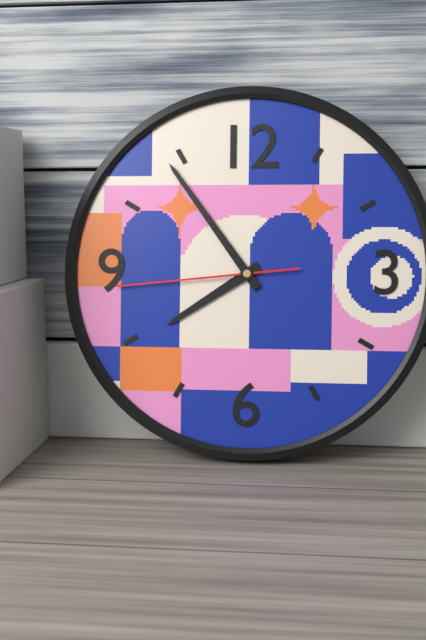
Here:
7,54,44
